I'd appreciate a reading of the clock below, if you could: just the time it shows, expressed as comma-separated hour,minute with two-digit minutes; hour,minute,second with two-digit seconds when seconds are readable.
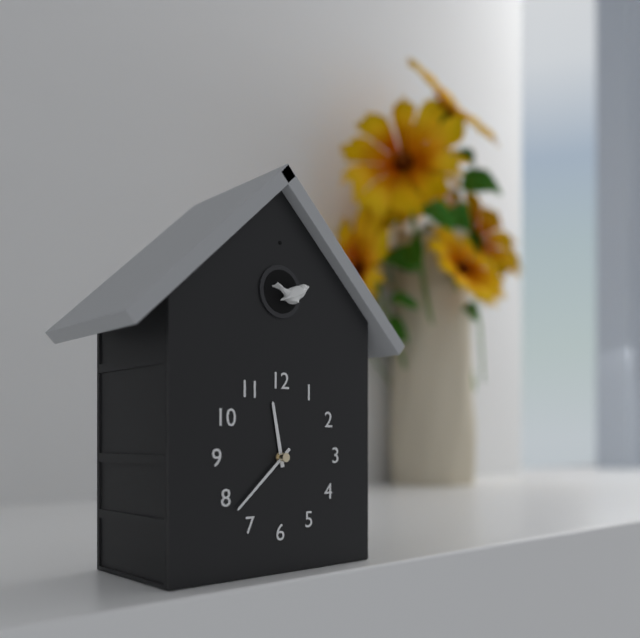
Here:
11,38
